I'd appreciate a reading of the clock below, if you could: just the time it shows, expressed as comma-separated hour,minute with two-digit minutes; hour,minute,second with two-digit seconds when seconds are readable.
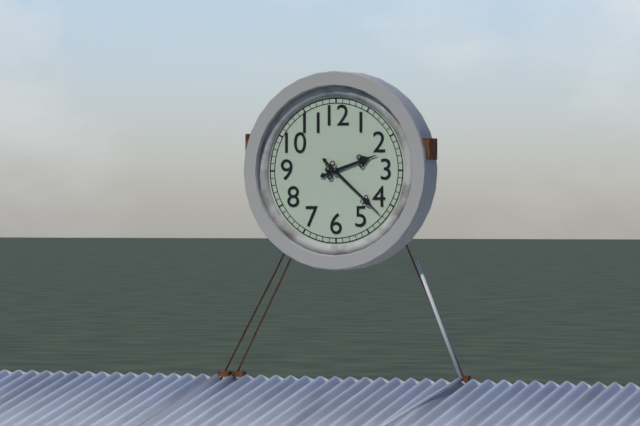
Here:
2,22
